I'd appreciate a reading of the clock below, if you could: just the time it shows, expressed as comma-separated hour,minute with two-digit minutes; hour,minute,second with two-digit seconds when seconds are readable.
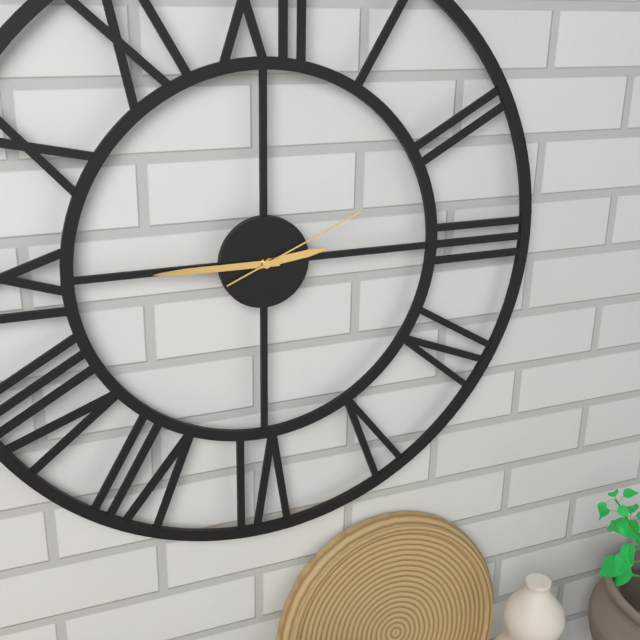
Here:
2,45,11
